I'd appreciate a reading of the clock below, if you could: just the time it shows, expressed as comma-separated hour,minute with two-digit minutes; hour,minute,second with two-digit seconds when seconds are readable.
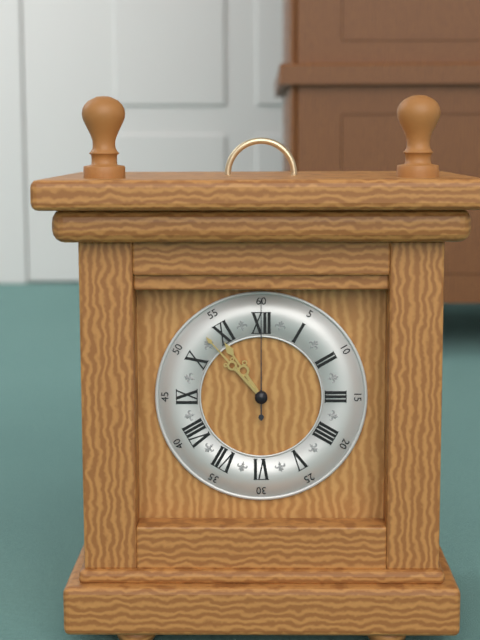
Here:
10,53,00
